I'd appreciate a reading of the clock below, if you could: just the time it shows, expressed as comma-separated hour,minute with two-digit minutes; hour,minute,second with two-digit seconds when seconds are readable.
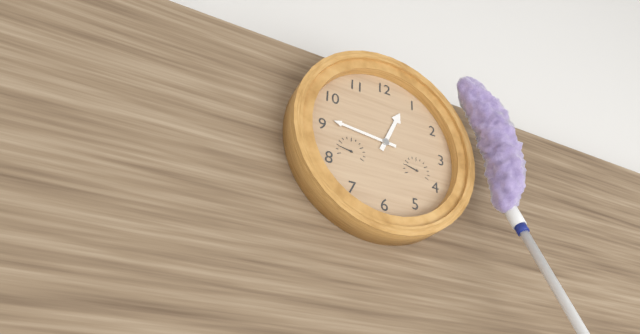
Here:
12,46
